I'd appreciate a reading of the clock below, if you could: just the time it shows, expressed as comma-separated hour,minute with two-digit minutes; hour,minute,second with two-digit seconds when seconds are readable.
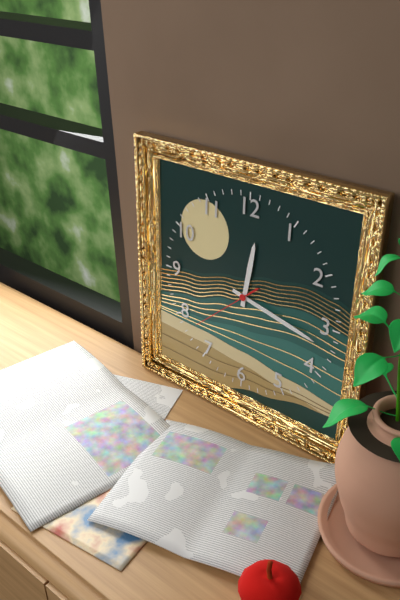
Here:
12,17,38
